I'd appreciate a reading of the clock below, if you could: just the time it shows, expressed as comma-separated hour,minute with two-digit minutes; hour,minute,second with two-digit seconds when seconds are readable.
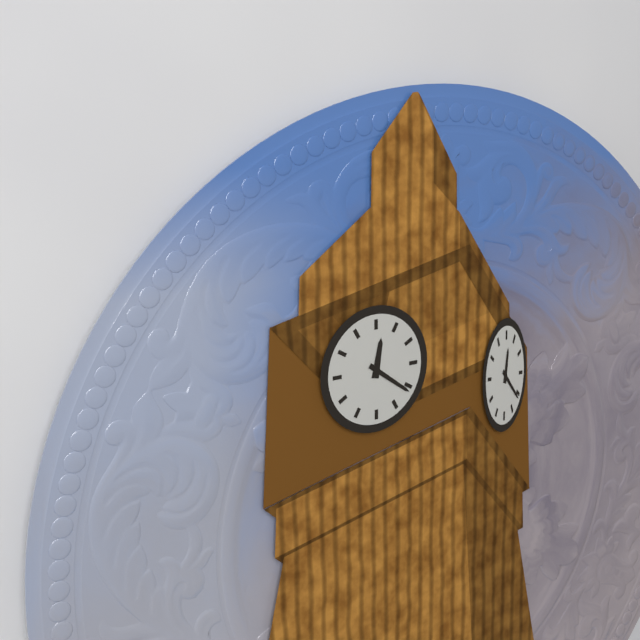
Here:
12,21
